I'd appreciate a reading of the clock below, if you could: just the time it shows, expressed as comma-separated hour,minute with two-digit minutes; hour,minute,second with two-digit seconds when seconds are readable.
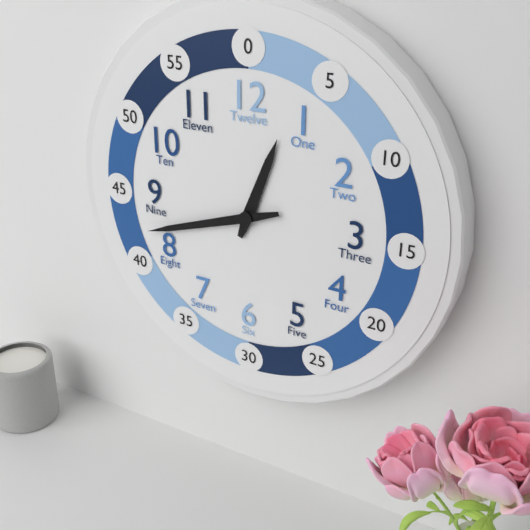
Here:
12,42
